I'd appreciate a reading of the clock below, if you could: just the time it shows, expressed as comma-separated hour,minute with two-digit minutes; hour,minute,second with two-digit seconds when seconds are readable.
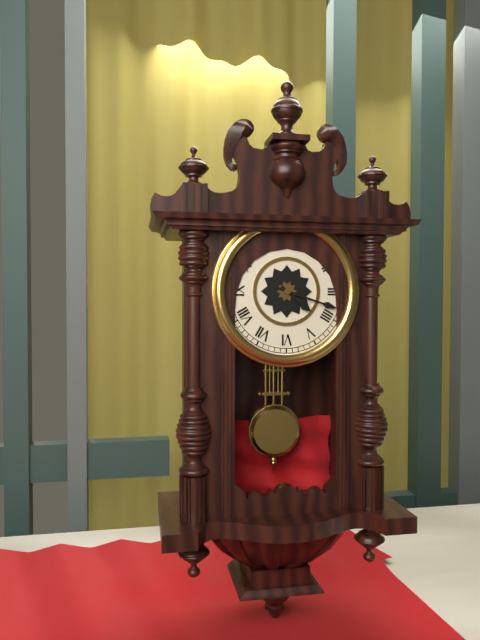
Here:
4,18
